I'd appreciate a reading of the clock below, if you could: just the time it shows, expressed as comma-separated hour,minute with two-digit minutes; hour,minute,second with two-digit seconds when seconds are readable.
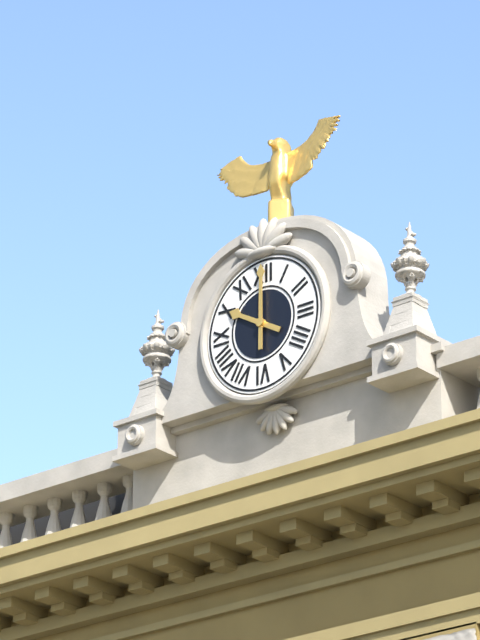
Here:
10,00
